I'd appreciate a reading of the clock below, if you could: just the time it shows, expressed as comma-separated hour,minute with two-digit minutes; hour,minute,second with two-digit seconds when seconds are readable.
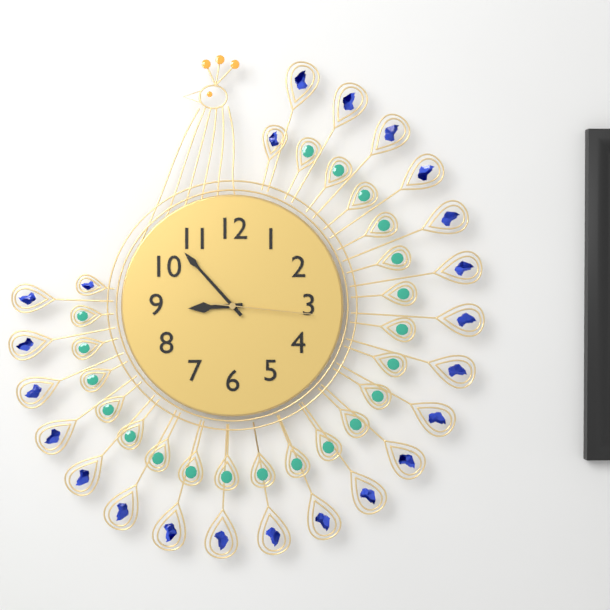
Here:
8,53,16
